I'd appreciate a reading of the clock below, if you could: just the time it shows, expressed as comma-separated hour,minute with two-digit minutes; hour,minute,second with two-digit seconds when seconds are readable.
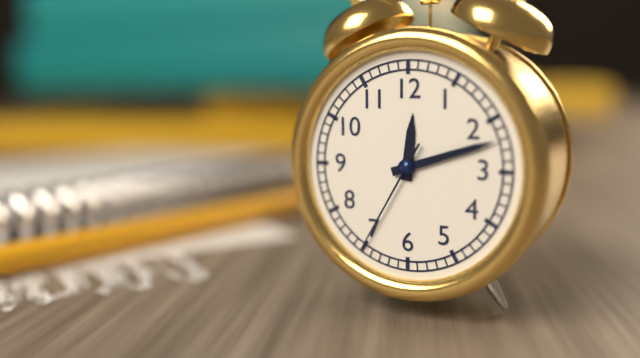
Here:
12,12,35
